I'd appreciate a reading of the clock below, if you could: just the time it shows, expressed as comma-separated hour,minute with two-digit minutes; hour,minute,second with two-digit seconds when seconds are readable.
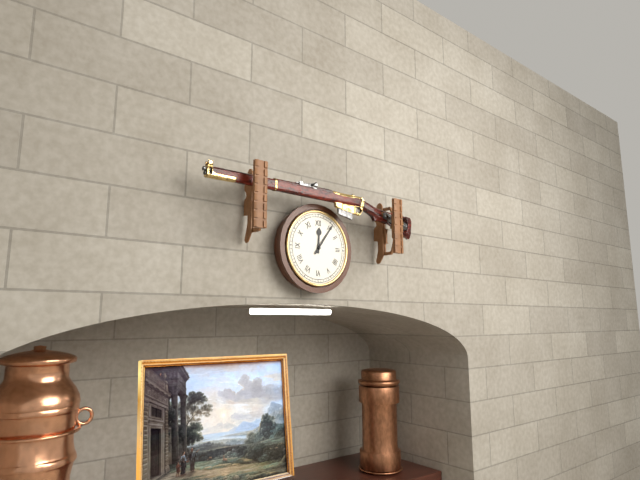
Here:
12,06
